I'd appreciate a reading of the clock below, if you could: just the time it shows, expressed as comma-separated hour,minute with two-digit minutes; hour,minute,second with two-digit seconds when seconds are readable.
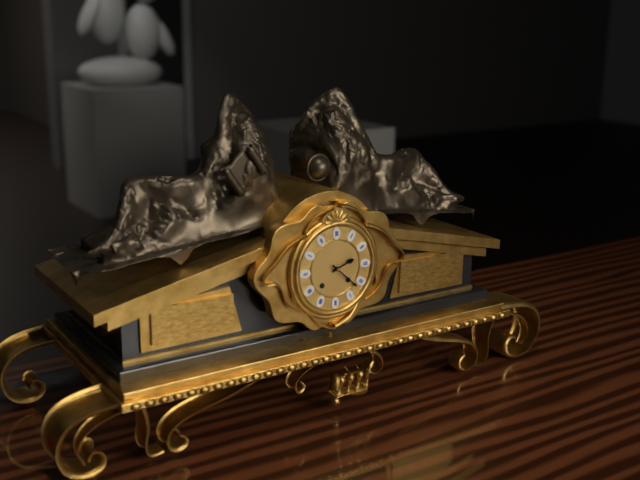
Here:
2,22
